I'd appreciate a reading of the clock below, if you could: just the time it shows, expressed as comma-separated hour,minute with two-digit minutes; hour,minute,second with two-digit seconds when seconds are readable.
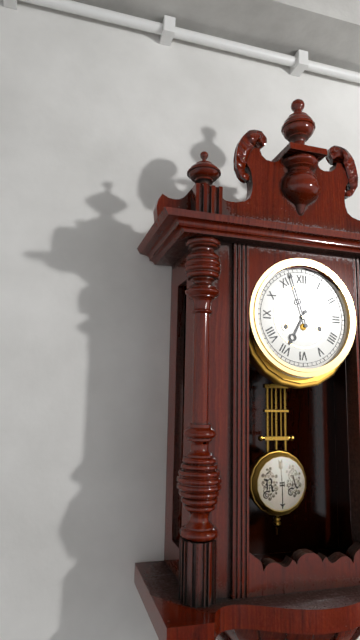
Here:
6,57
